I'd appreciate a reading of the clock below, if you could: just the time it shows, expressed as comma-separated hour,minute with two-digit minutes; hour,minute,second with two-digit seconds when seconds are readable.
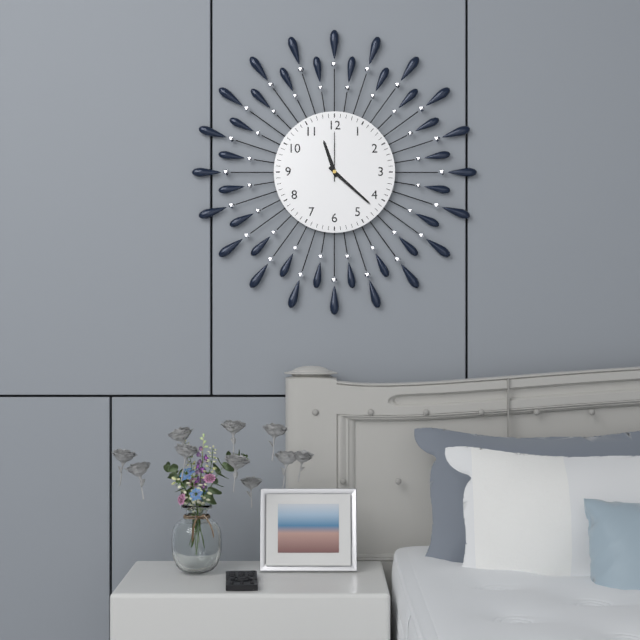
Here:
11,22,00
